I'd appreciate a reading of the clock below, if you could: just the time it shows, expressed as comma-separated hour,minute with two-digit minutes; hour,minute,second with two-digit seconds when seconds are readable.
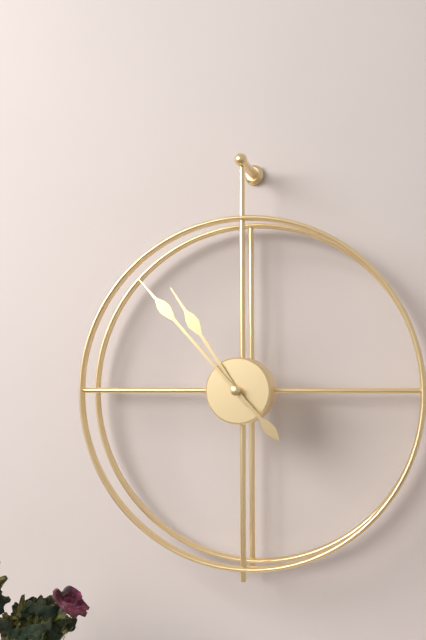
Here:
10,53
